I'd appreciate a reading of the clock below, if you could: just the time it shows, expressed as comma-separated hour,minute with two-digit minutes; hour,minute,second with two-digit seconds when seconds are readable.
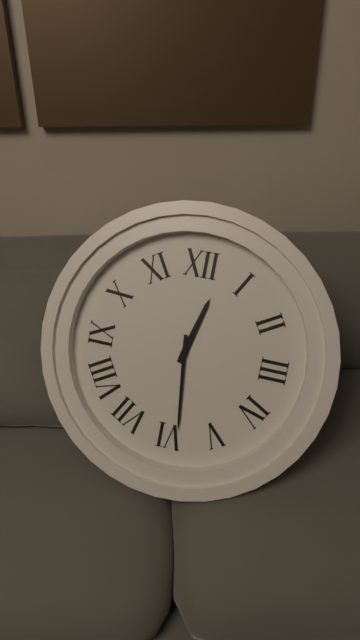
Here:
12,29
